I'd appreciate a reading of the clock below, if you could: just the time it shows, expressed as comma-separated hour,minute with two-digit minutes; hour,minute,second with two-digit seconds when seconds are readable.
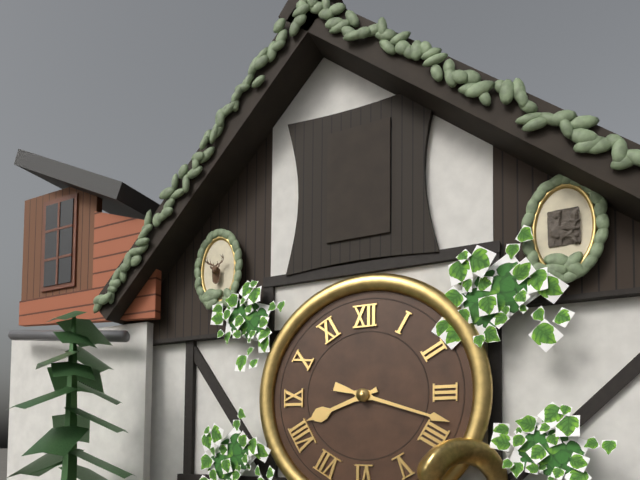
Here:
8,18
